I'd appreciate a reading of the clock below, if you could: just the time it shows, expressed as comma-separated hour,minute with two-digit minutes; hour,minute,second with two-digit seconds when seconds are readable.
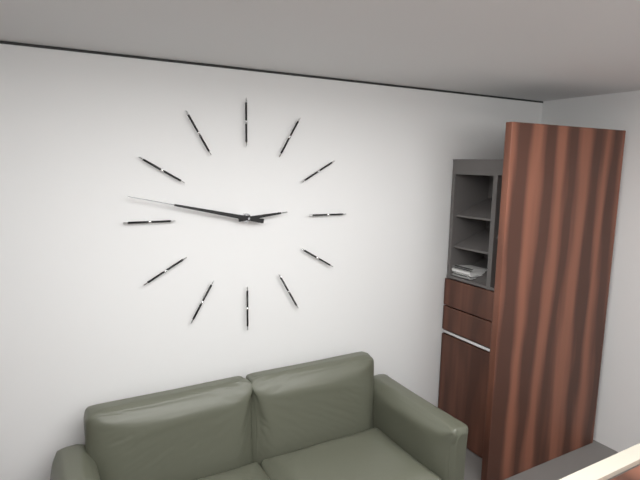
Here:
2,47
